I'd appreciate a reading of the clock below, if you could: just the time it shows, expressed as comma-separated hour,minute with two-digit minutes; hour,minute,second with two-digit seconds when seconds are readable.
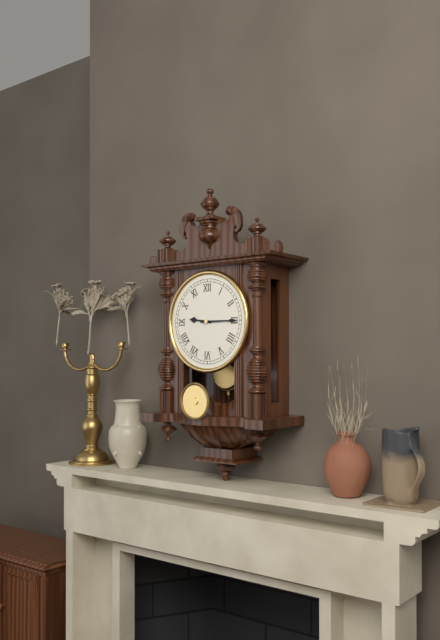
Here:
9,15
